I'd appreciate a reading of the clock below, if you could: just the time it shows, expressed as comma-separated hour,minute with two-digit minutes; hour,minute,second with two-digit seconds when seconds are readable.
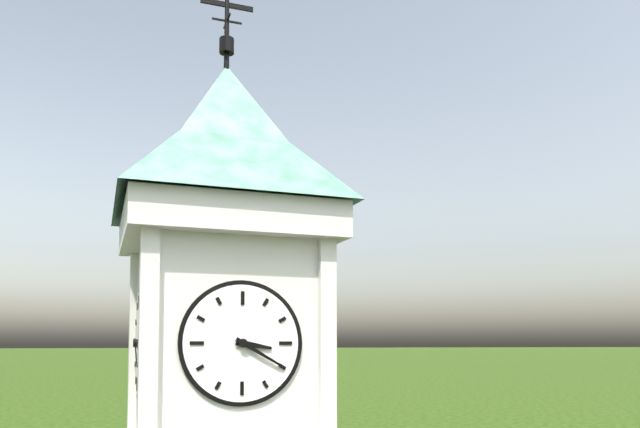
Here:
3,20
